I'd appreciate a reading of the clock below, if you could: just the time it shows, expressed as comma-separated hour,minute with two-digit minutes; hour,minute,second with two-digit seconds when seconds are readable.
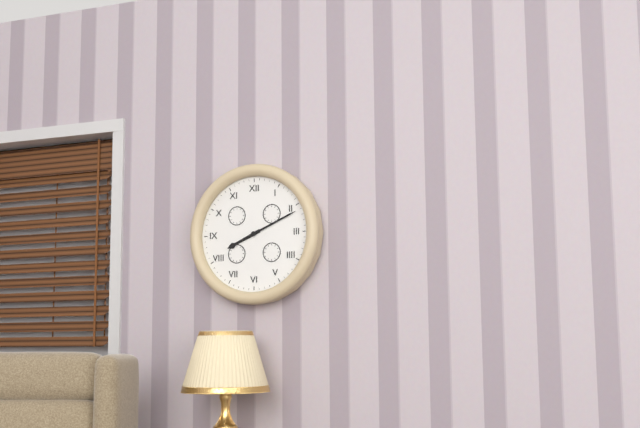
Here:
8,11
